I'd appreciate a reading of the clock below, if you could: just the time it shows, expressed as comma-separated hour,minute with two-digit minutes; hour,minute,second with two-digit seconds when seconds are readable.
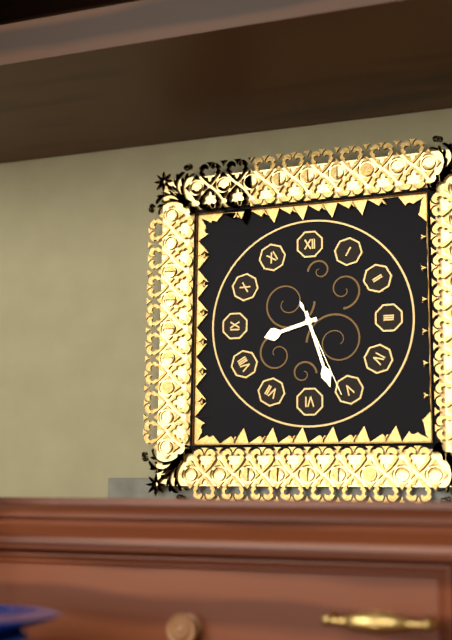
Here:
8,27,26
